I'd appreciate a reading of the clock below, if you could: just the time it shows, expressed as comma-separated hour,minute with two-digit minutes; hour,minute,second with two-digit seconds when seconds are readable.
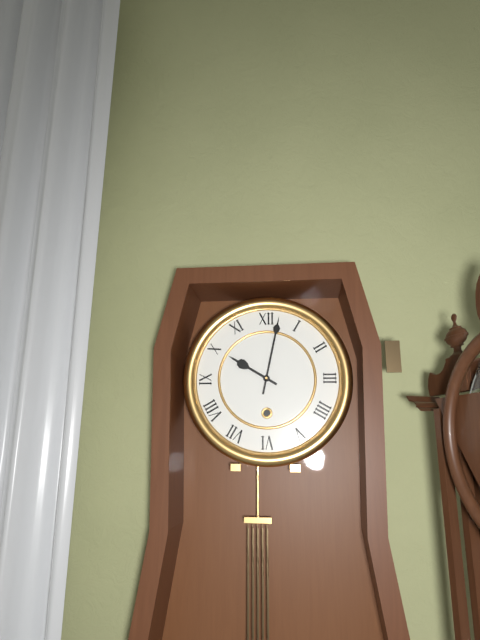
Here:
10,02
